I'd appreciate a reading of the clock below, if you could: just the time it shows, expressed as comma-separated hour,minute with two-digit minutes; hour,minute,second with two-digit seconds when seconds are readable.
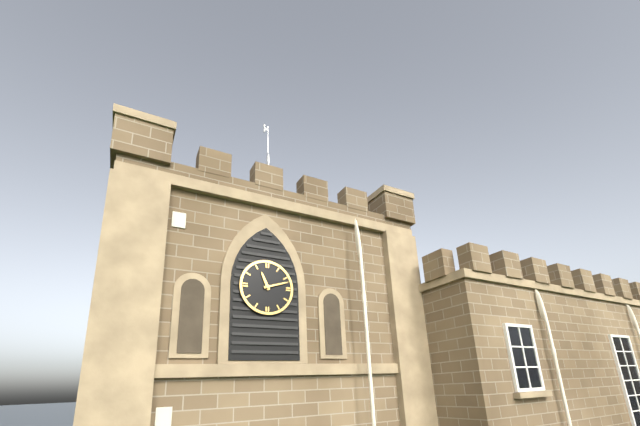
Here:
11,12
